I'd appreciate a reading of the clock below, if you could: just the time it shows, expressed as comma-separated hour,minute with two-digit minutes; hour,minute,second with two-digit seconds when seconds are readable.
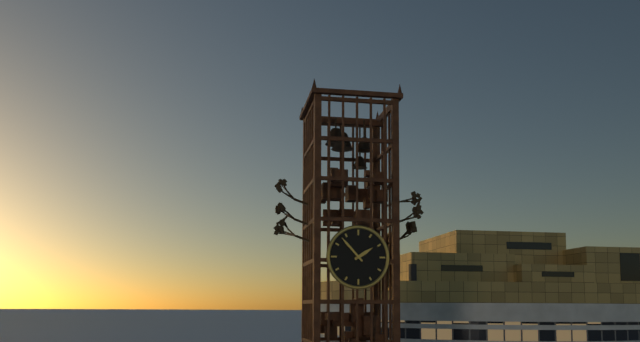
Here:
1,53
